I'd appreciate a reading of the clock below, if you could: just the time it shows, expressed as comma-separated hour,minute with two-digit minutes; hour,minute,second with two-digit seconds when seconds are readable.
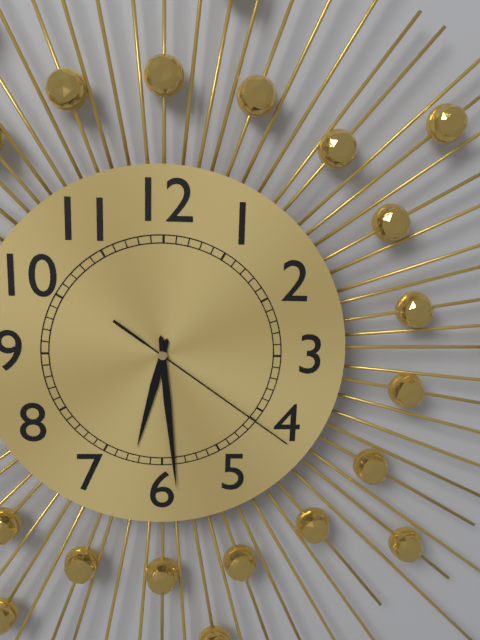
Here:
6,29,21
